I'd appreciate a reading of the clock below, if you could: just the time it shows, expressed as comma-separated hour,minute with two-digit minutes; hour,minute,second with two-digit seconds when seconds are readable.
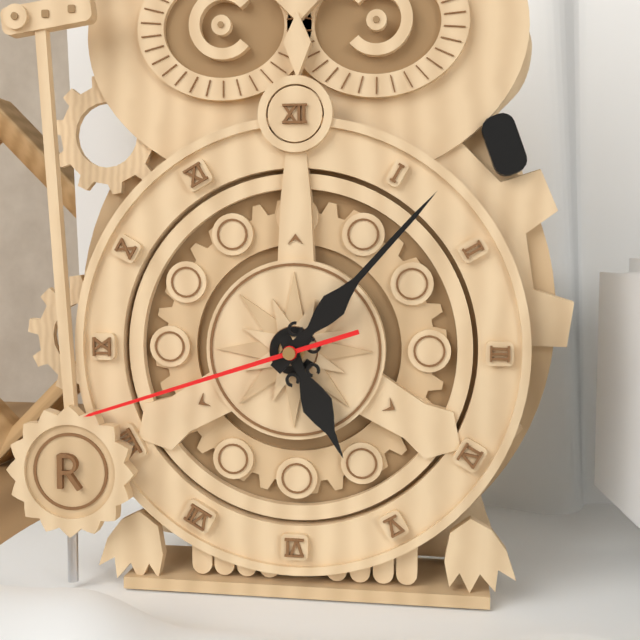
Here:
5,07,42
